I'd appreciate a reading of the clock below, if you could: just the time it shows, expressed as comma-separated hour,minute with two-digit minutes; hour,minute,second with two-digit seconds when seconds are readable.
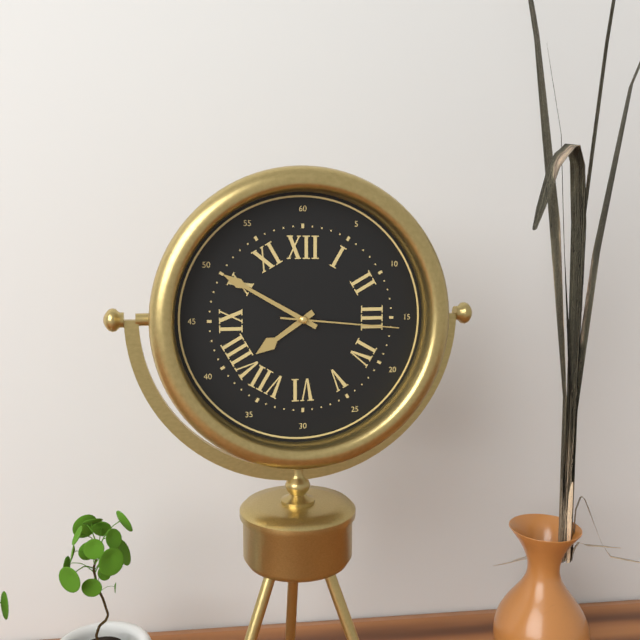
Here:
7,50,16
